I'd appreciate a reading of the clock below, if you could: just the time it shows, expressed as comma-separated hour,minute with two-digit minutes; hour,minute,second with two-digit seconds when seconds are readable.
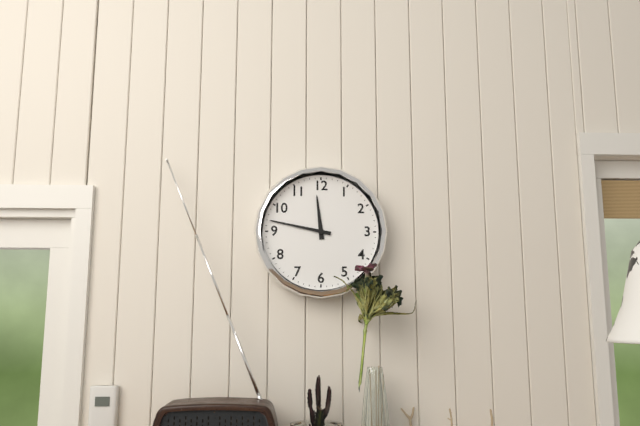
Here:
11,47
